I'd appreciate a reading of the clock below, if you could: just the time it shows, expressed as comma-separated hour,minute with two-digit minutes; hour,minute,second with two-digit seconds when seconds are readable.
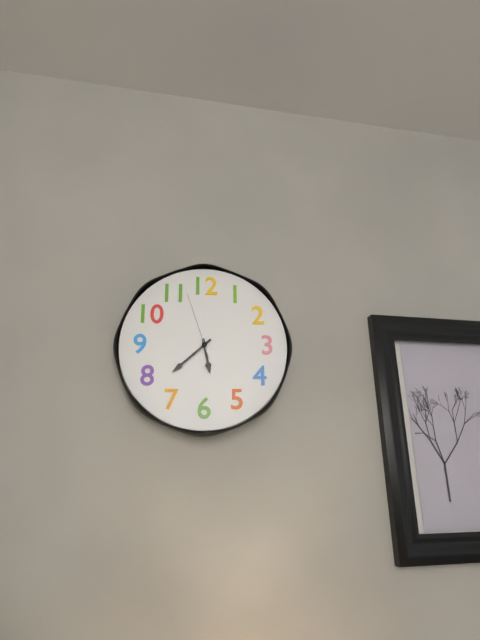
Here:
5,38,57
